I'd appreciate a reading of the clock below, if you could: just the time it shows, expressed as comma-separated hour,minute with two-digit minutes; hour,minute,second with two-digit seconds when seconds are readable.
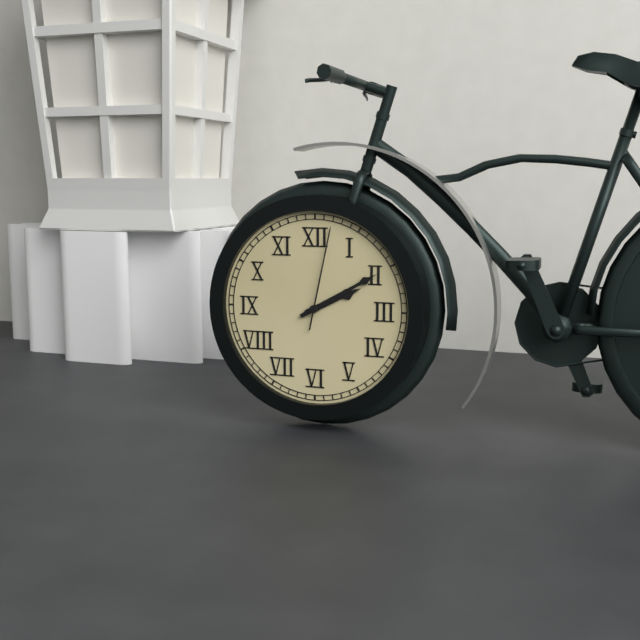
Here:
2,10,02
